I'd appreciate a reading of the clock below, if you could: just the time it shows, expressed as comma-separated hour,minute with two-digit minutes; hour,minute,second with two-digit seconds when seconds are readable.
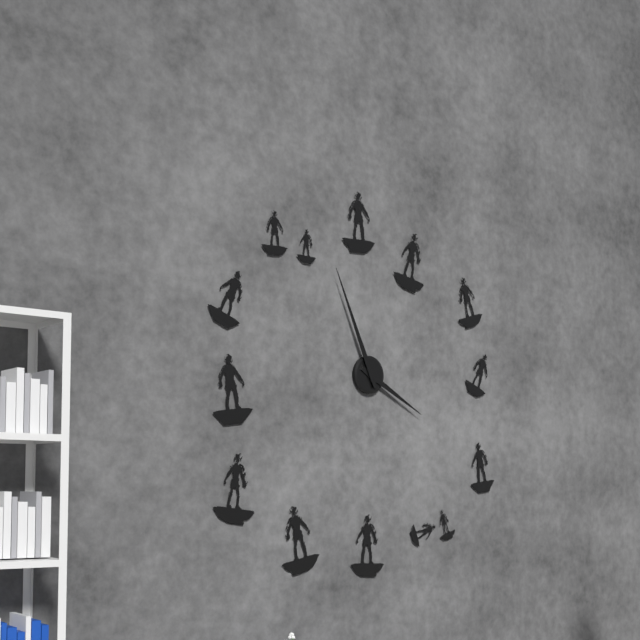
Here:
3,56
